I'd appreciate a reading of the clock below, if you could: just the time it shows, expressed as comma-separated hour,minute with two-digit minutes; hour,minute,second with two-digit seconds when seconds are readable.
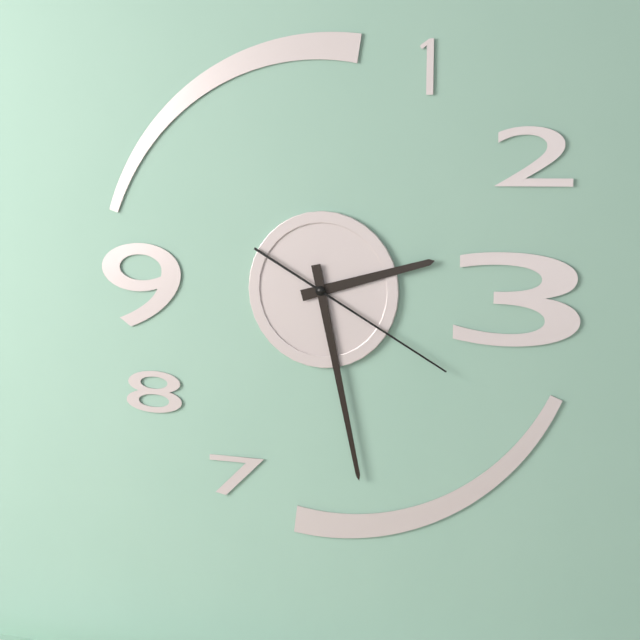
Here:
2,28,20
